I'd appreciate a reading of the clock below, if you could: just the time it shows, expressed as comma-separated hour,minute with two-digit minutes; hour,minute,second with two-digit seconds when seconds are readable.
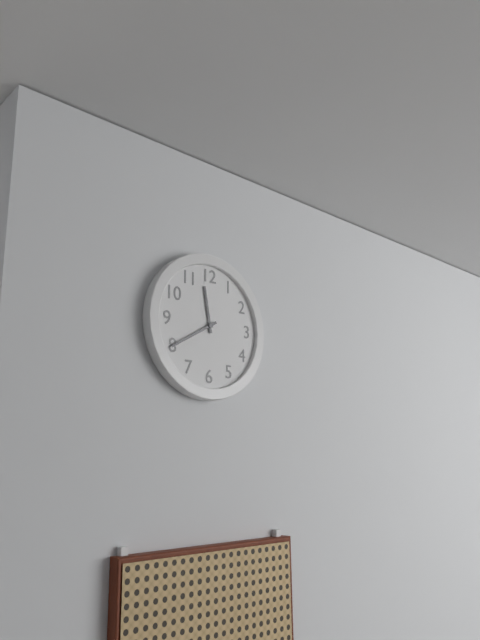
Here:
11,40
